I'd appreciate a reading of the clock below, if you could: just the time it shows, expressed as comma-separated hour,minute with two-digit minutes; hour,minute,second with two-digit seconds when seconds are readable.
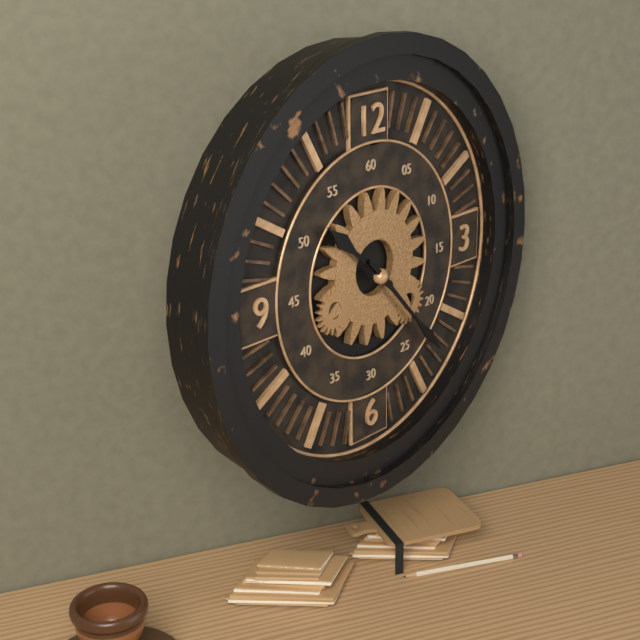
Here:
10,23
